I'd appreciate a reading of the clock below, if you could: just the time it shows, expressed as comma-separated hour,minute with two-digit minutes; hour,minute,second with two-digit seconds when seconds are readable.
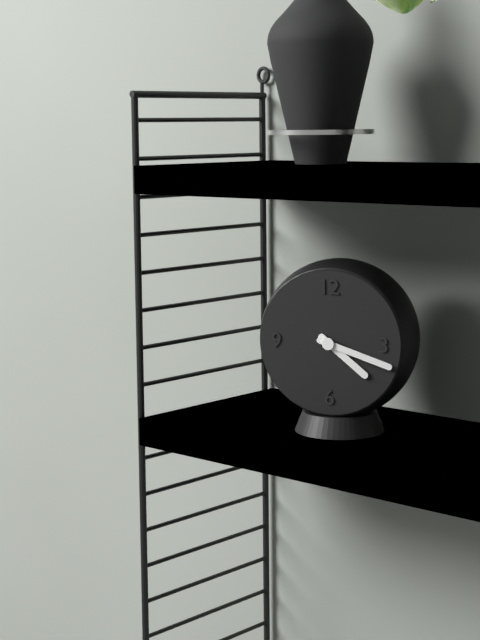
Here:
4,18
